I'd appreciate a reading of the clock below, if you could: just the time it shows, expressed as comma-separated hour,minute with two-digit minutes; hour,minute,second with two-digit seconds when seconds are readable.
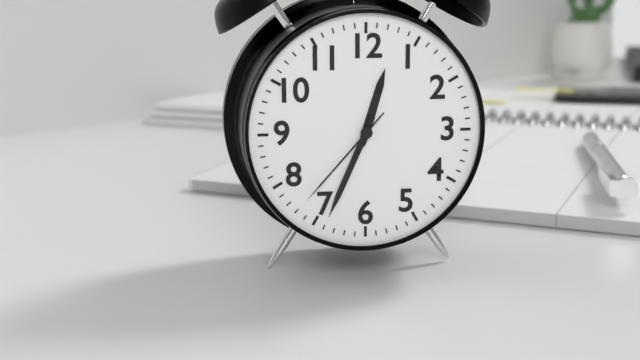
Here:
12,34,37
